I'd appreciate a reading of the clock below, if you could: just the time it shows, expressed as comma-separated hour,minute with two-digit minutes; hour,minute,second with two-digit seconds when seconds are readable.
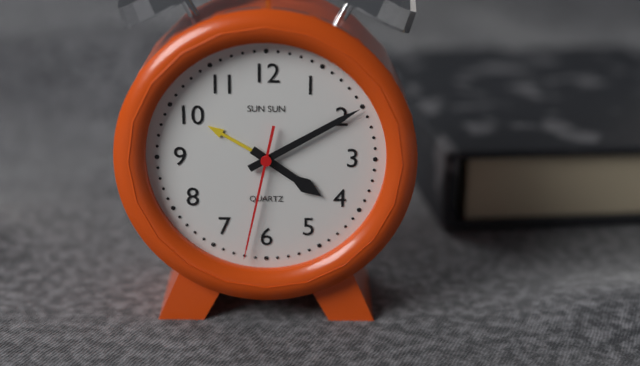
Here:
4,10,32
